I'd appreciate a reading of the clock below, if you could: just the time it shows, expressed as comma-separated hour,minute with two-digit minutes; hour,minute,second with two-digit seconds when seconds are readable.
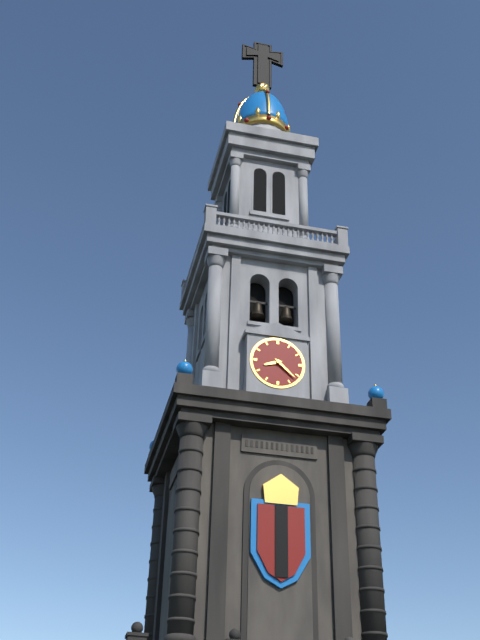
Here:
8,22
